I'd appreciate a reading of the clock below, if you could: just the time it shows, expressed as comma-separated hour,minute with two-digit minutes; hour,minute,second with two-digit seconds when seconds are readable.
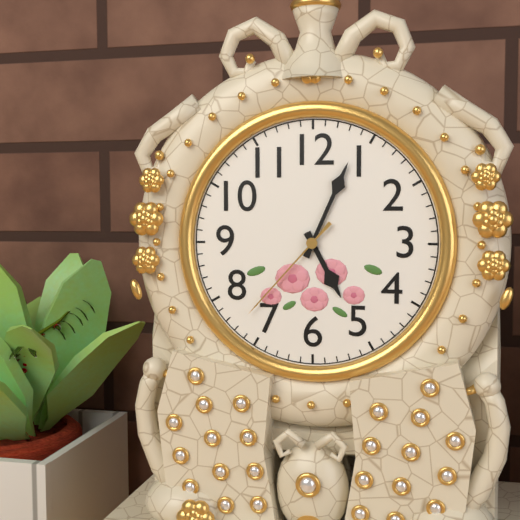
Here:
5,04,37
